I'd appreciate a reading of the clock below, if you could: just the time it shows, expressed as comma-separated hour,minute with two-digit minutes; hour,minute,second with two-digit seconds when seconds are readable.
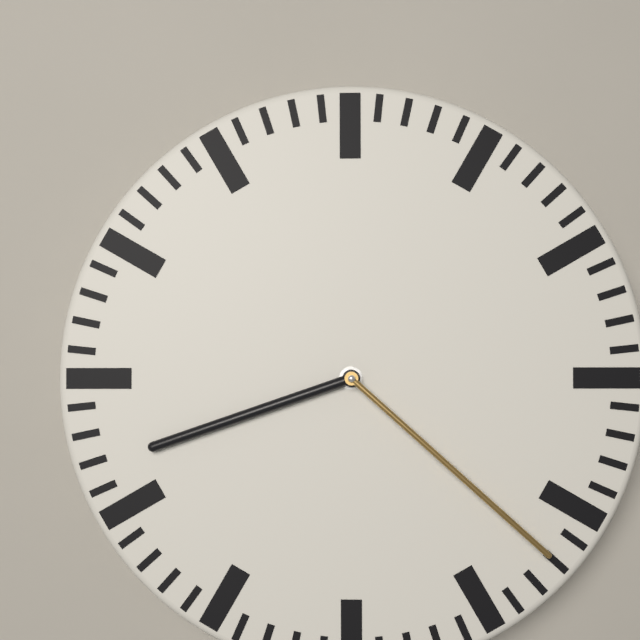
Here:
8,22
